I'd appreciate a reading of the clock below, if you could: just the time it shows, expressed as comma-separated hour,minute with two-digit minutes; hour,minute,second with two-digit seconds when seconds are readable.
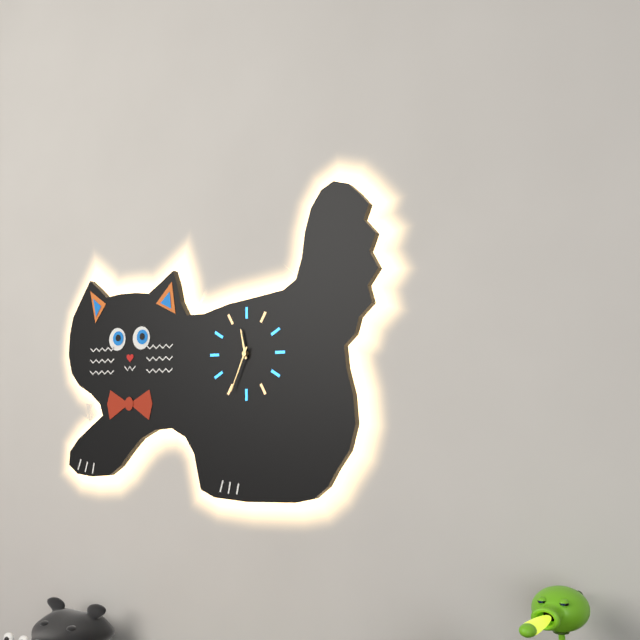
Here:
11,34
